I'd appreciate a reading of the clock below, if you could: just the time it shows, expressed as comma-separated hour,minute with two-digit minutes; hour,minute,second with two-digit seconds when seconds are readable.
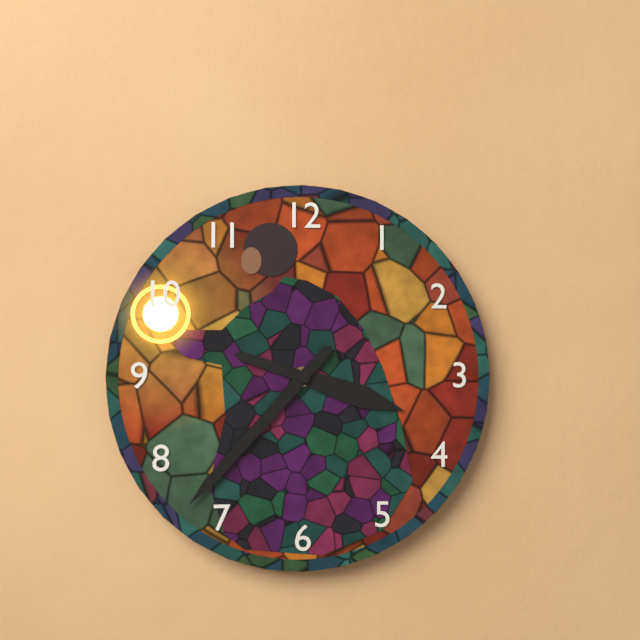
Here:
3,37
